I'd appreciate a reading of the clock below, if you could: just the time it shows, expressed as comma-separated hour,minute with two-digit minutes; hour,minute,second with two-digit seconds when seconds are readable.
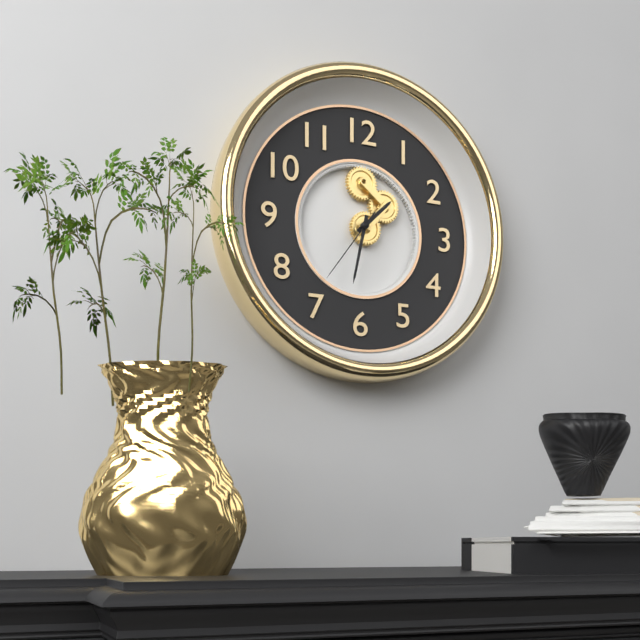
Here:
1,32,36
